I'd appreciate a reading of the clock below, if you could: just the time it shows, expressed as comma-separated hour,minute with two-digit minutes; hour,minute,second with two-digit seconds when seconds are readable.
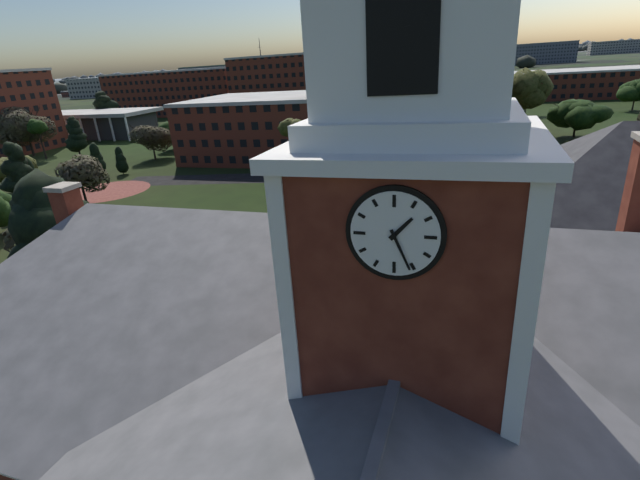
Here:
1,26
